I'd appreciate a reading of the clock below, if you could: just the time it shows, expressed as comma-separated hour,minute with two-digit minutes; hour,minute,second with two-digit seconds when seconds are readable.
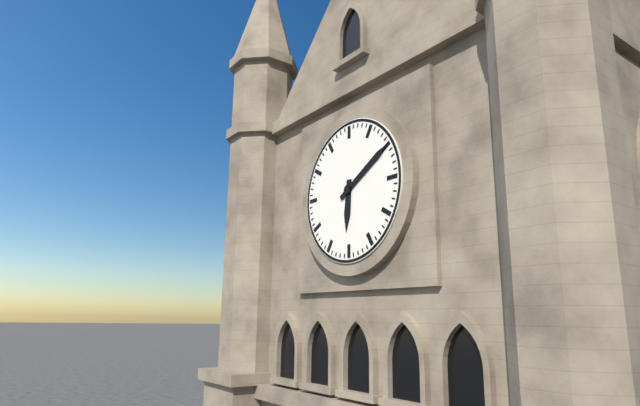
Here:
6,10
